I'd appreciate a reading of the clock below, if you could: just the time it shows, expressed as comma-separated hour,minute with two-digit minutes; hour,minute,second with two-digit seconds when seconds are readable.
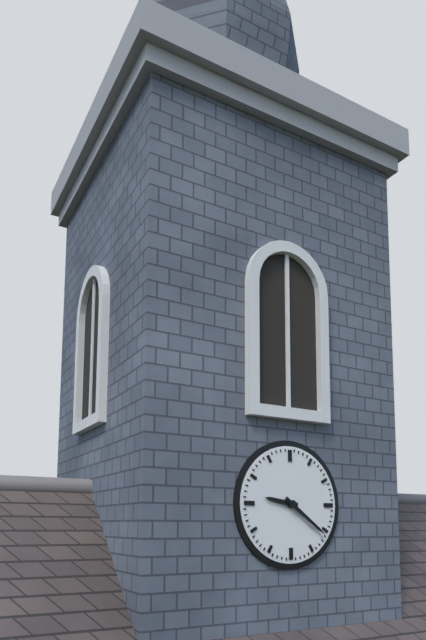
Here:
9,21
